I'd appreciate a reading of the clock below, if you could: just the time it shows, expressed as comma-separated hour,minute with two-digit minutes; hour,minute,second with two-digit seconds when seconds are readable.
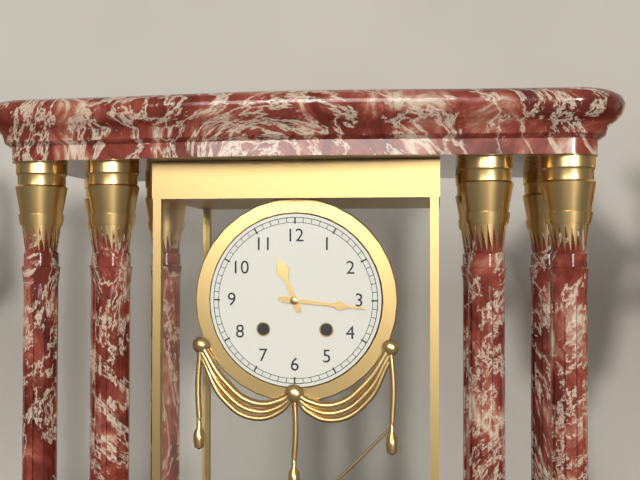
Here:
11,16
